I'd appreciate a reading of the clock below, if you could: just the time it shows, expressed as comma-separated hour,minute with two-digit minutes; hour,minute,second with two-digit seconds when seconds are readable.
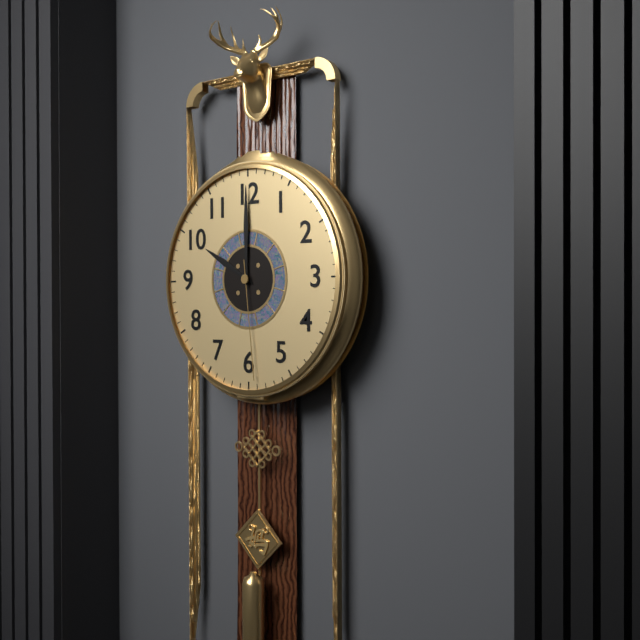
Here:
10,00,29
